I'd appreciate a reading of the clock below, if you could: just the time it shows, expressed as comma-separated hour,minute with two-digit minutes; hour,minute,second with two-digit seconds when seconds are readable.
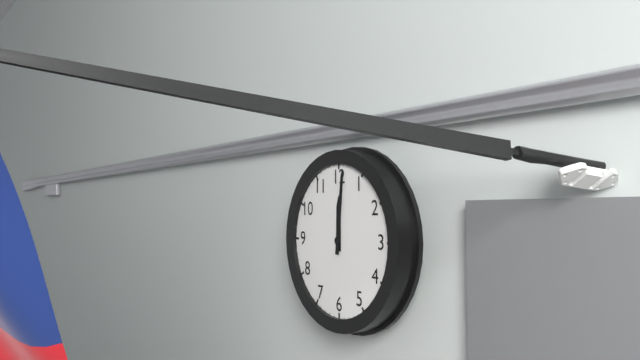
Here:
12,01
